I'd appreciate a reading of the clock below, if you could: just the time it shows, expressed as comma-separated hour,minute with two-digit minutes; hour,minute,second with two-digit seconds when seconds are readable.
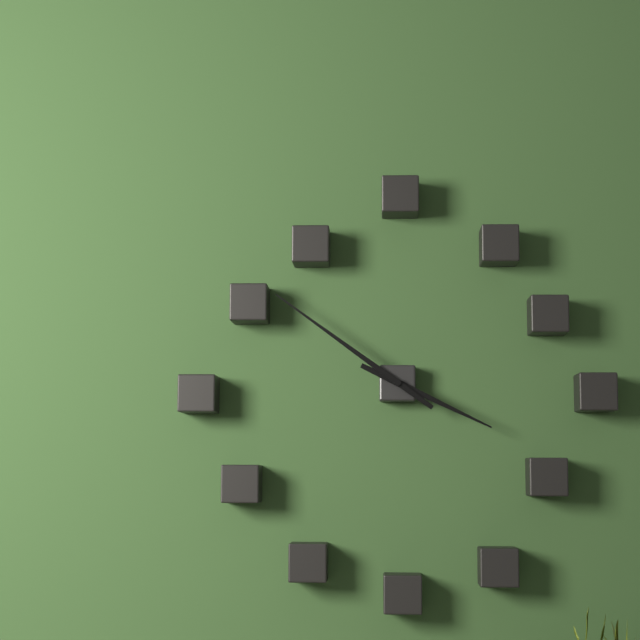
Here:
3,51
